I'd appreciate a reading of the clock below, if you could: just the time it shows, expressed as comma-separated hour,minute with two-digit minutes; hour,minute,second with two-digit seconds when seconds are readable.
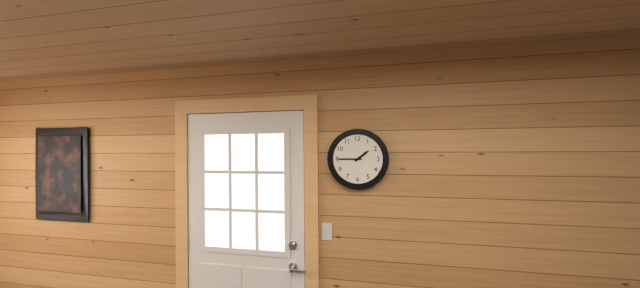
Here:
1,45
